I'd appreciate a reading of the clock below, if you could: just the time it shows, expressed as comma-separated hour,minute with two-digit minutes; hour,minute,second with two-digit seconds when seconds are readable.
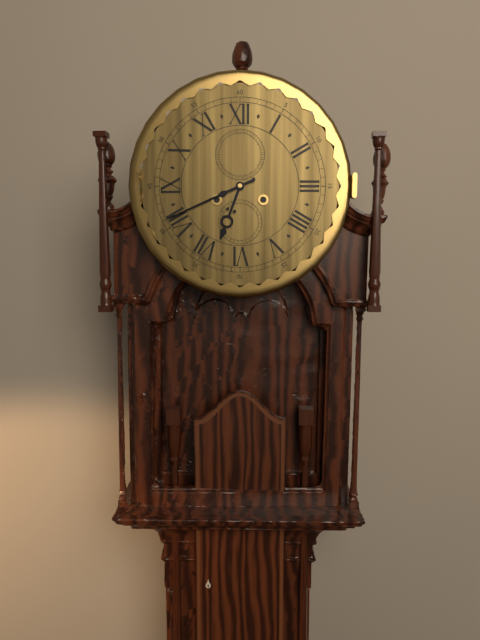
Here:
6,41
